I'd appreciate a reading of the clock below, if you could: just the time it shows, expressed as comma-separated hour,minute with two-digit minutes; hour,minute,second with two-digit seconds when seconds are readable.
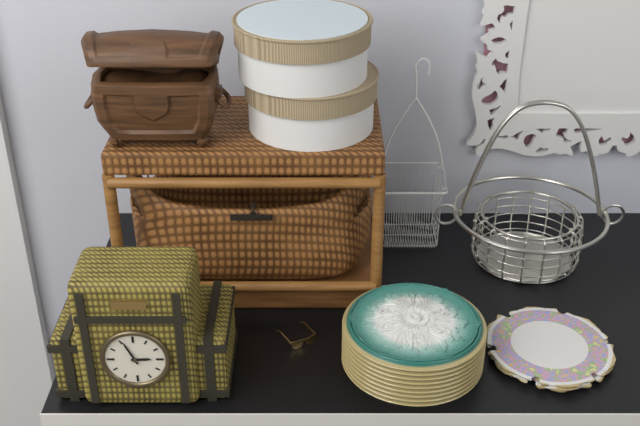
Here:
2,56
